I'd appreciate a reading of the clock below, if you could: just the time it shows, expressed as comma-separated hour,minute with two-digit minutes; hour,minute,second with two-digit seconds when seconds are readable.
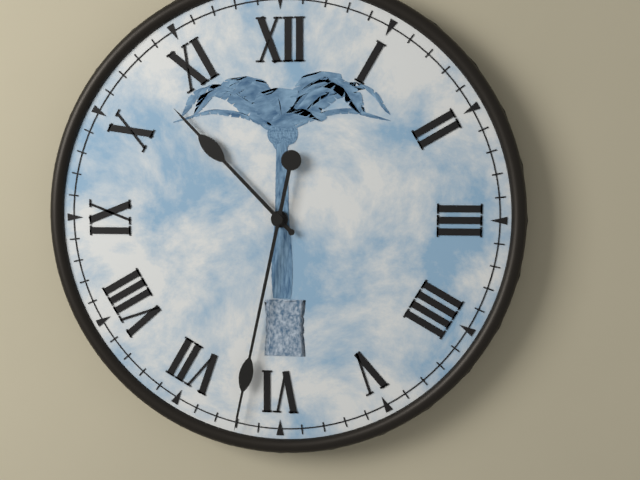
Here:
10,32
